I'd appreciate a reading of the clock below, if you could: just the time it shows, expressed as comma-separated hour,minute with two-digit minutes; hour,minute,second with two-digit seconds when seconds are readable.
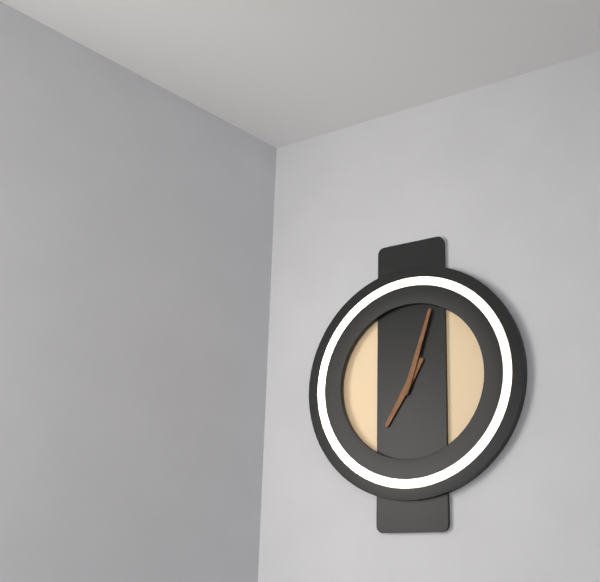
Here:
7,03
